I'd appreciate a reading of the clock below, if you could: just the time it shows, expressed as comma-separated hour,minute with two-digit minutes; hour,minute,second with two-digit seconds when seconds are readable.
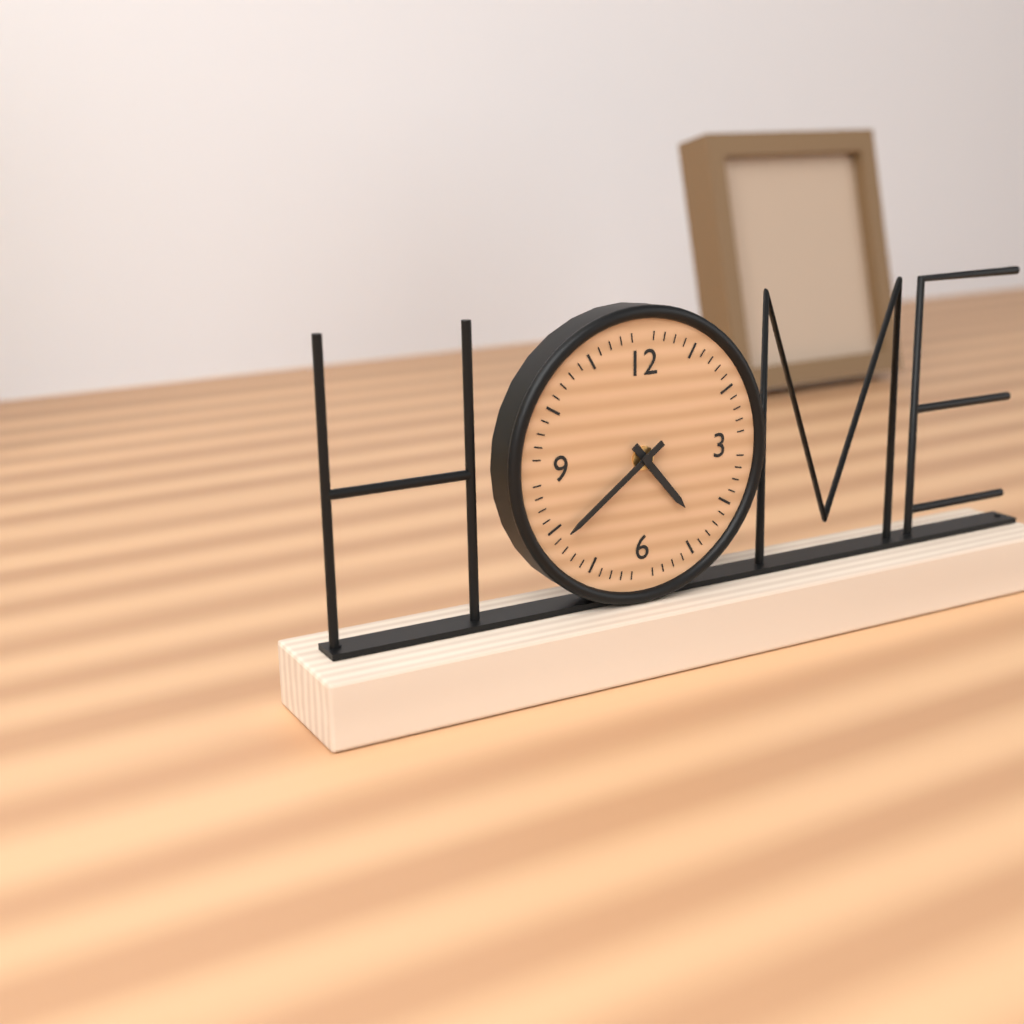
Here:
4,39
